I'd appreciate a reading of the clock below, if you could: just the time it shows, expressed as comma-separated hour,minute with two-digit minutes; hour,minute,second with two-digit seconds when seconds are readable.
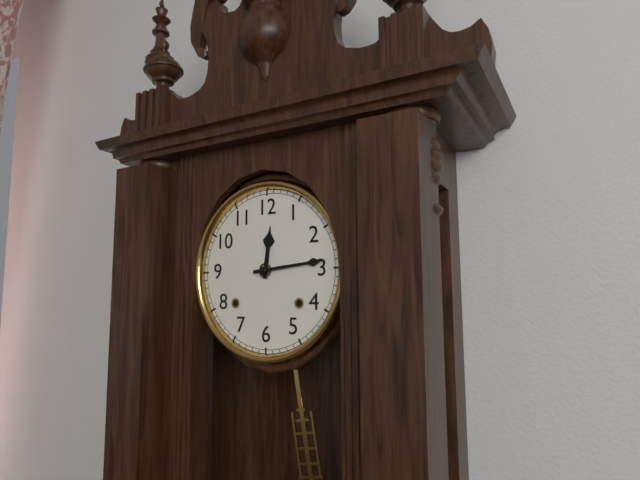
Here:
12,14
